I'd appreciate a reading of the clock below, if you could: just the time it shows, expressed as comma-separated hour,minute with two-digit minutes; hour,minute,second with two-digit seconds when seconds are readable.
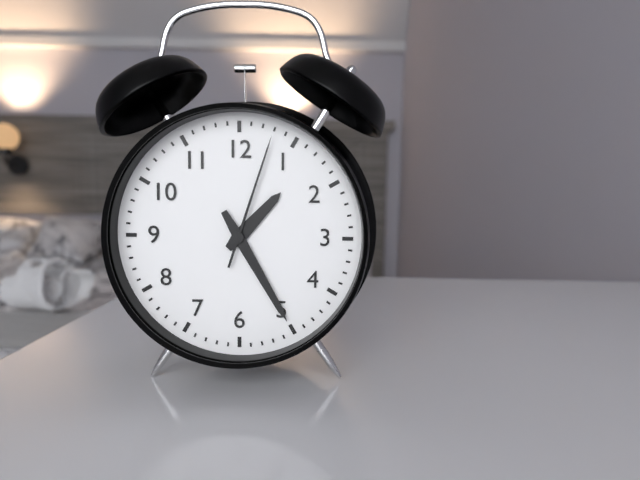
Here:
1,25,03
